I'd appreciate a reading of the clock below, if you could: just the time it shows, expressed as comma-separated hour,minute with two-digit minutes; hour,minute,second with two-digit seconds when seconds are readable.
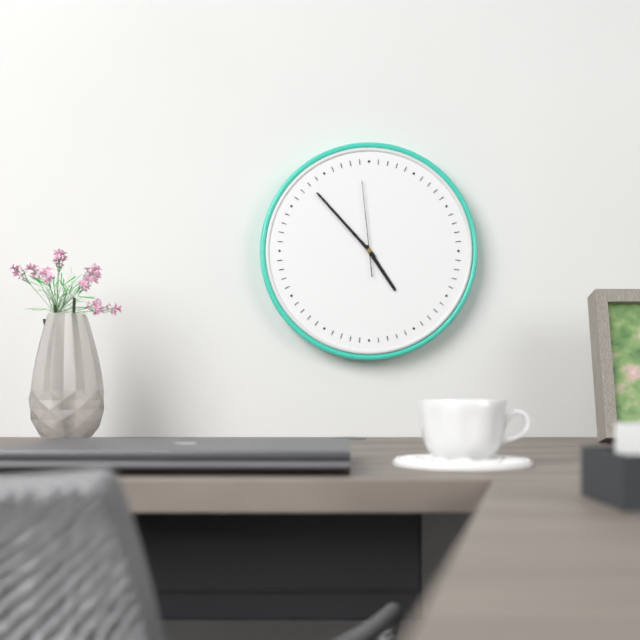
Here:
4,53,59
